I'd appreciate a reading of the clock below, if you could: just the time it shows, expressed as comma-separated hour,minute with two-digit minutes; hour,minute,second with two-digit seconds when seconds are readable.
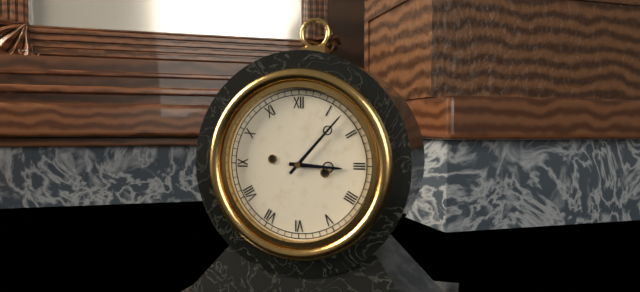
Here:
3,07
